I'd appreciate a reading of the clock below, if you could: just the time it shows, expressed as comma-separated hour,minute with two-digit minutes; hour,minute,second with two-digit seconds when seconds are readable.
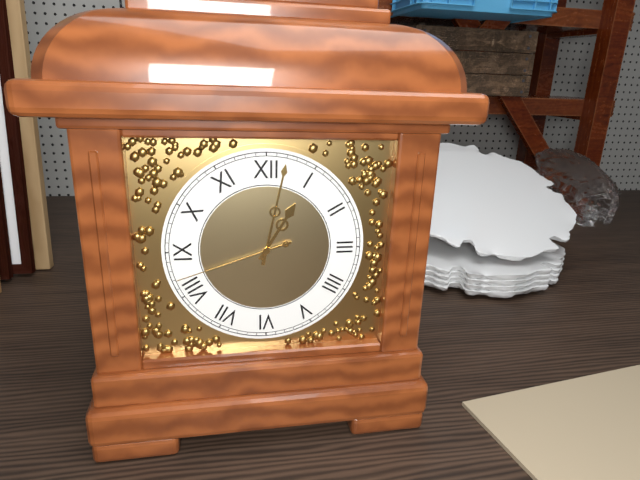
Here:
1,02,42
